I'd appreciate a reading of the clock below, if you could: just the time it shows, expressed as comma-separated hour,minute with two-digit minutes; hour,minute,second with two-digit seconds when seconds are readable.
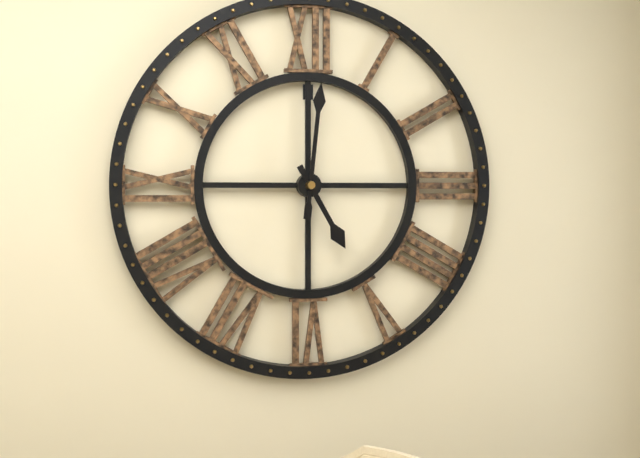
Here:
5,01
